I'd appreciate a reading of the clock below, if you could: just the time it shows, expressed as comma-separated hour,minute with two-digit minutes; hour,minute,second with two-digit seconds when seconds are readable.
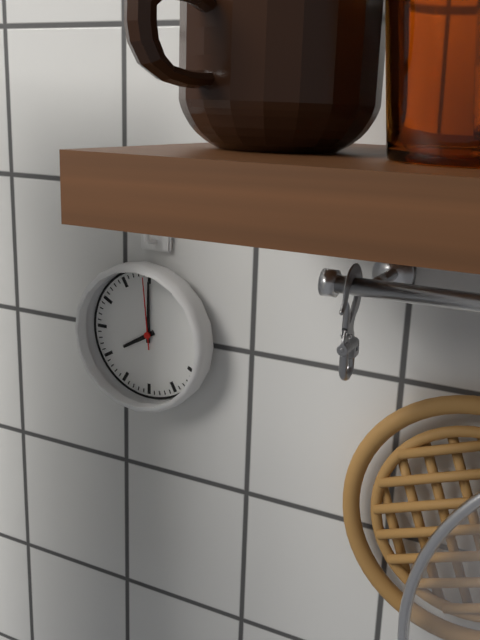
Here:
8,00,59
